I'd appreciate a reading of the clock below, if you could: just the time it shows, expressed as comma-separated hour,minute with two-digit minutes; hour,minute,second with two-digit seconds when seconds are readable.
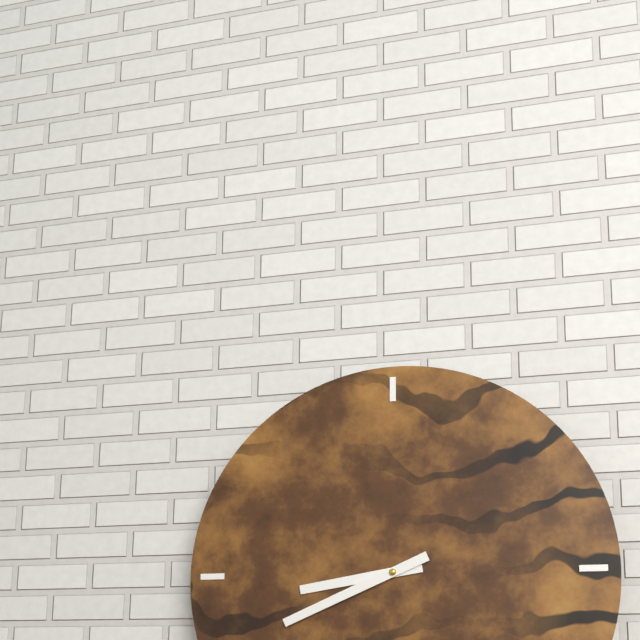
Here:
8,41
